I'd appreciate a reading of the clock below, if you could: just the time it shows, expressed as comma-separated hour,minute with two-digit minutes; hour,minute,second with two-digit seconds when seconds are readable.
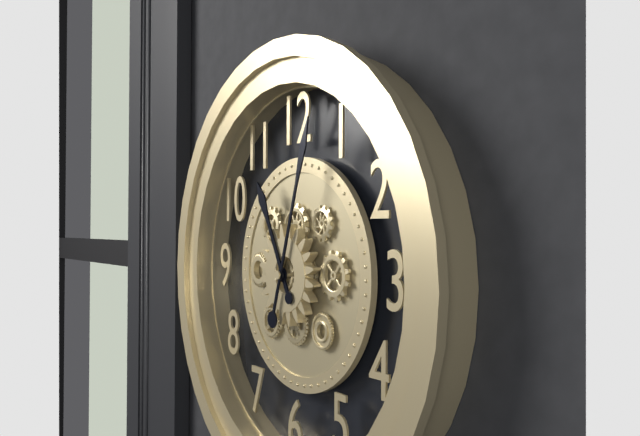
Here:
11,03
